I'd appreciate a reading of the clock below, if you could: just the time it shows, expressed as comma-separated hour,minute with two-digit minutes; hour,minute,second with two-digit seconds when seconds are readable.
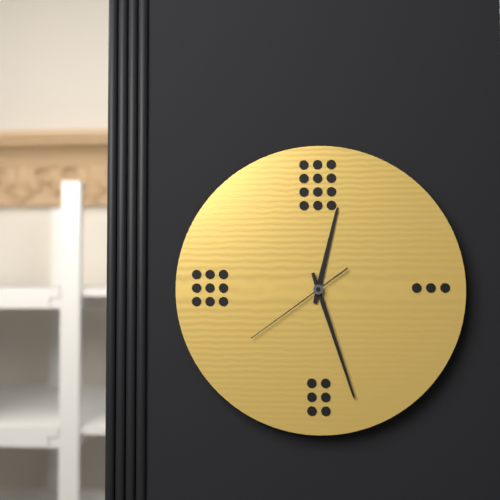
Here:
12,27,39
